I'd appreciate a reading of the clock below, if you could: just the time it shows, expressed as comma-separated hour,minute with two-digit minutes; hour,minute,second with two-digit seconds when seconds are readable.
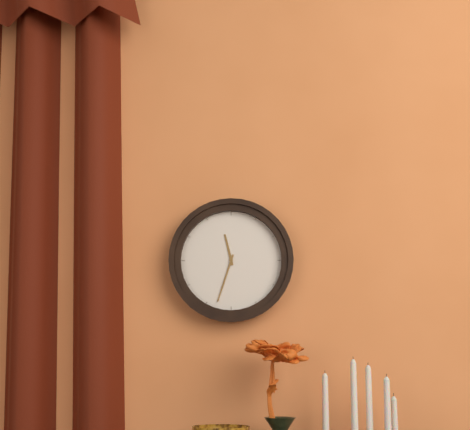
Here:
11,33
